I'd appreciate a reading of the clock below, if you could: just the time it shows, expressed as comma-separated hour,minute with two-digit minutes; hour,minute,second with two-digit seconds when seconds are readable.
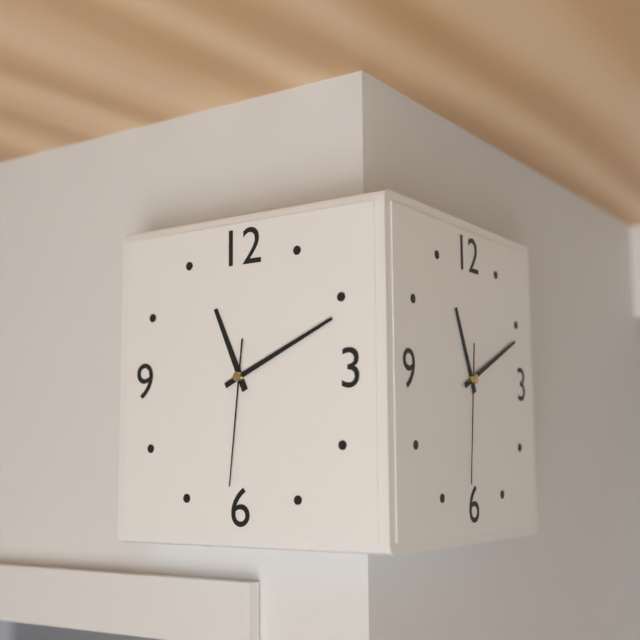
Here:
11,11,31
